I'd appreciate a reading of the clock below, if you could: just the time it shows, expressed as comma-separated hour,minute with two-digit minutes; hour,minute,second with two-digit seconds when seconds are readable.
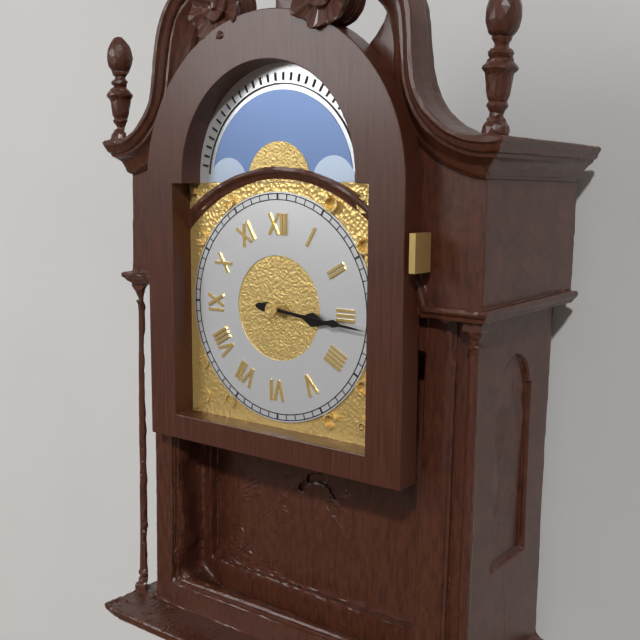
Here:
3,16
